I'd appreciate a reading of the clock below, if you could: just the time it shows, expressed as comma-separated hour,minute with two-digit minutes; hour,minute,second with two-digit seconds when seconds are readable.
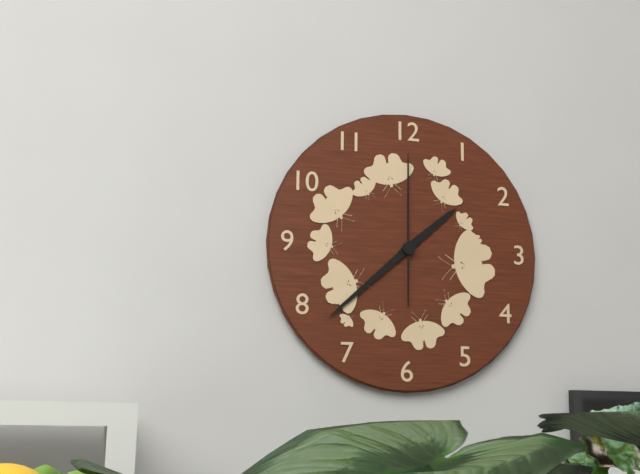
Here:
1,38,00
